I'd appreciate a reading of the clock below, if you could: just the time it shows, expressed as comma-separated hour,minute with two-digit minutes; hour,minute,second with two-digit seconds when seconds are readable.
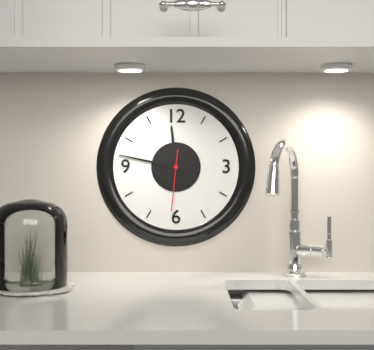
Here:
11,47,31
